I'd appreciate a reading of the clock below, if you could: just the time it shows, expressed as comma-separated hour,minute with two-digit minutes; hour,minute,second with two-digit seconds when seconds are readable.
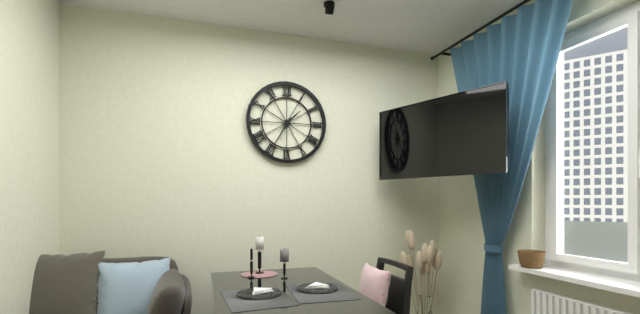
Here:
1,35
